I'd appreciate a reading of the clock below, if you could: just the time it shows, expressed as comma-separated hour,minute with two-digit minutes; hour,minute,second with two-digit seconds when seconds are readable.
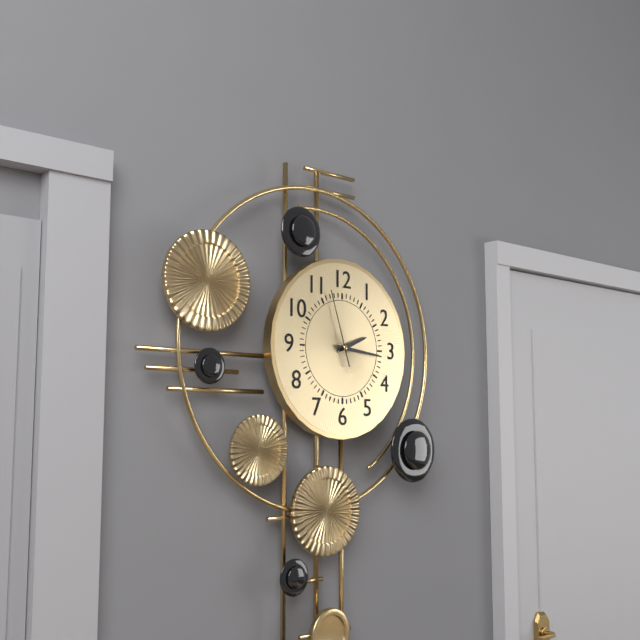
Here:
2,16,57
